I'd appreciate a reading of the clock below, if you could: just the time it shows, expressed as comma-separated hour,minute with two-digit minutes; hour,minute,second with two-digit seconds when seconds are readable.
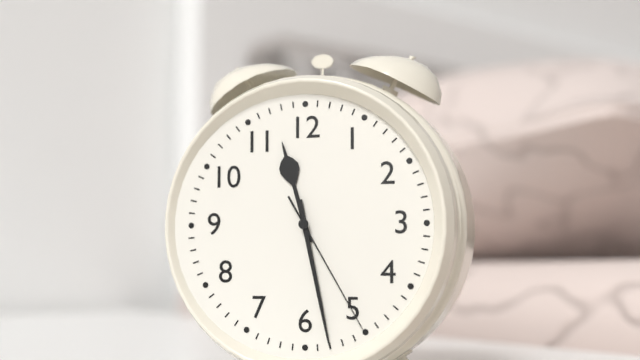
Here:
11,28,25
